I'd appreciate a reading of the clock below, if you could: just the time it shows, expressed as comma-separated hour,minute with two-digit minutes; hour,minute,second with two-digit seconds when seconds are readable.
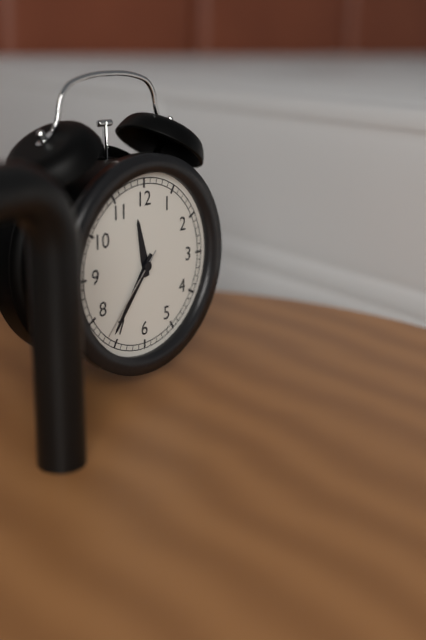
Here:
11,36,37
